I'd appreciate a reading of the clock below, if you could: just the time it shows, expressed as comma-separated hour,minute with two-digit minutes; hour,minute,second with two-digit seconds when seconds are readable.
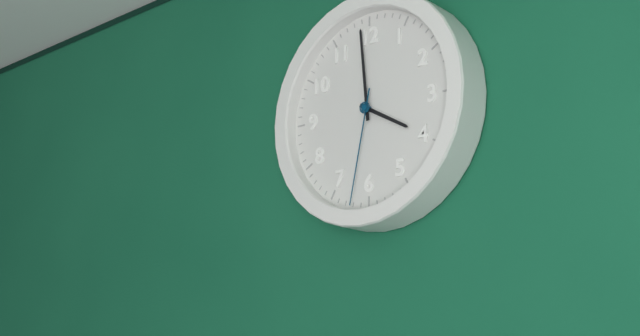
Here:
3,59,32
